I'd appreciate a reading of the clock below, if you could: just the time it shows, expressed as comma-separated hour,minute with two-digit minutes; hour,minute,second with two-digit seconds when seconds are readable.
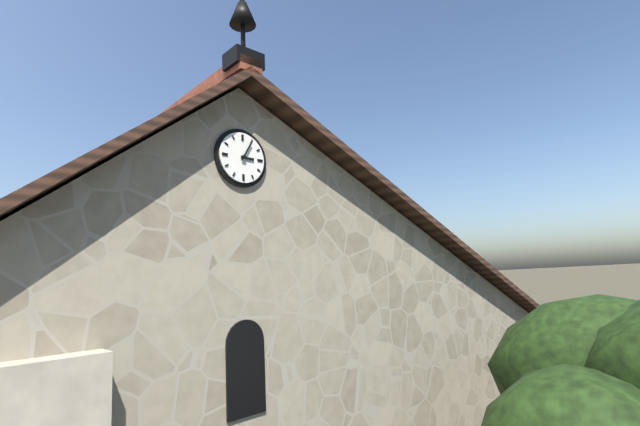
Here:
3,05
